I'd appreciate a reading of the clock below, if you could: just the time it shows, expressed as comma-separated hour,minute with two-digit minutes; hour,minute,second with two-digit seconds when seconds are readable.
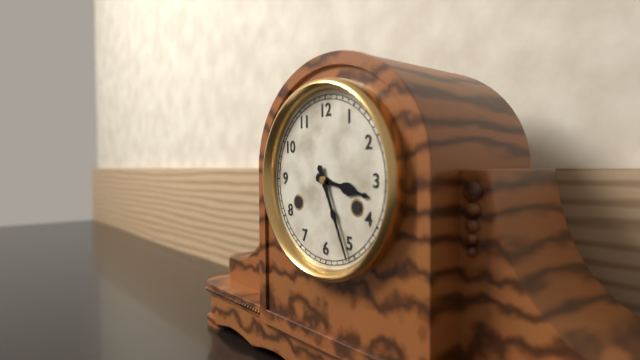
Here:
3,26
